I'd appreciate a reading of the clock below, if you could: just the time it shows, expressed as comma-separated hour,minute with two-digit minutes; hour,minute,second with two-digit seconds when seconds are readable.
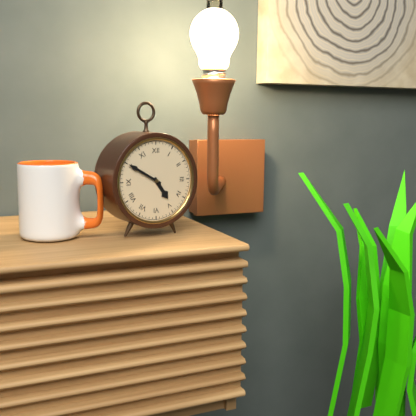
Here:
4,50
